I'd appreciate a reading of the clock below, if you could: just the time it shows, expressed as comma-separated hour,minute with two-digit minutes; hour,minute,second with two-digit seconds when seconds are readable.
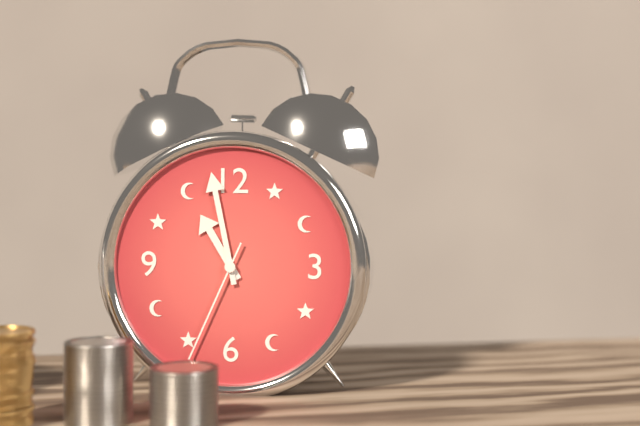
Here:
10,58,34
